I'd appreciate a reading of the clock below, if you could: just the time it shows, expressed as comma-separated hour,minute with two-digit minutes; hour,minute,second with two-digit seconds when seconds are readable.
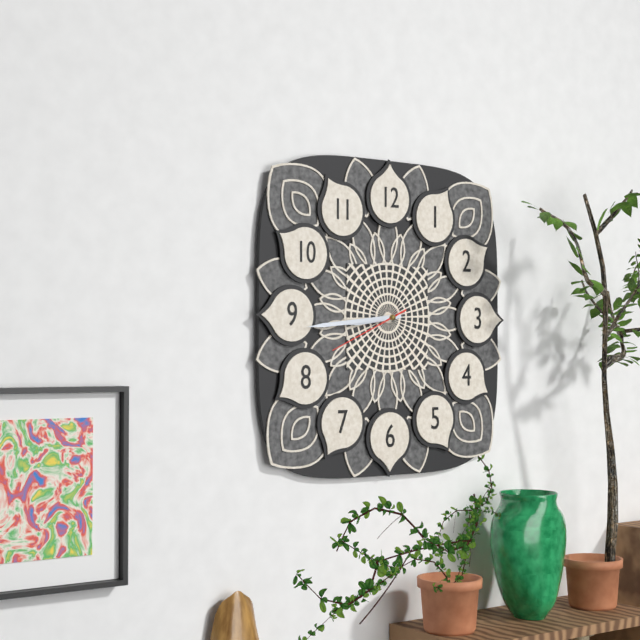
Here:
8,44,41
